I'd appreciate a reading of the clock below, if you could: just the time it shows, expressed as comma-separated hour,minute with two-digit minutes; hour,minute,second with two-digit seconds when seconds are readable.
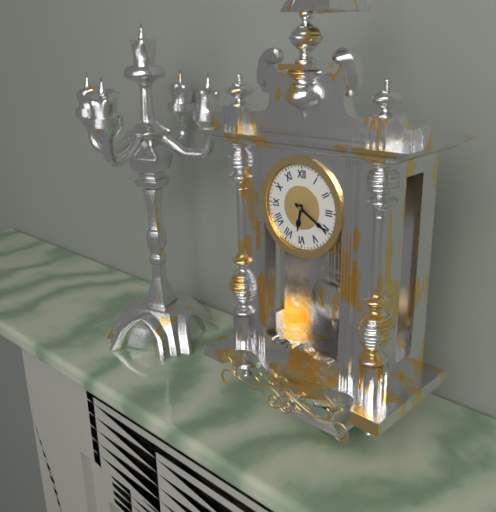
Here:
6,20
